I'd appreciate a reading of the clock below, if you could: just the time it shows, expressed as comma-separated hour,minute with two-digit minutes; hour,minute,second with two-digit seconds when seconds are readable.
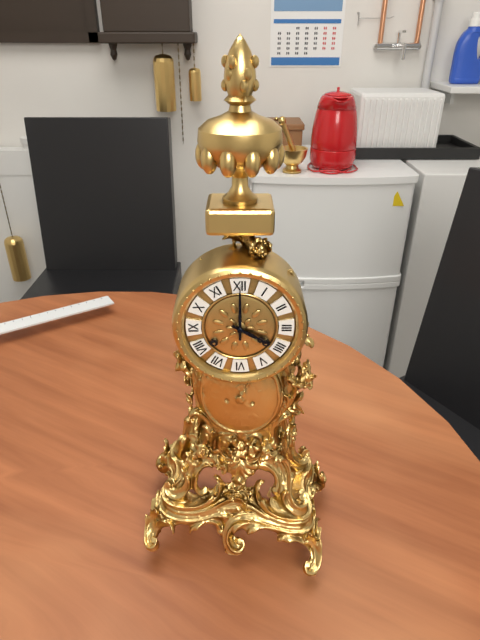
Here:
4,00
